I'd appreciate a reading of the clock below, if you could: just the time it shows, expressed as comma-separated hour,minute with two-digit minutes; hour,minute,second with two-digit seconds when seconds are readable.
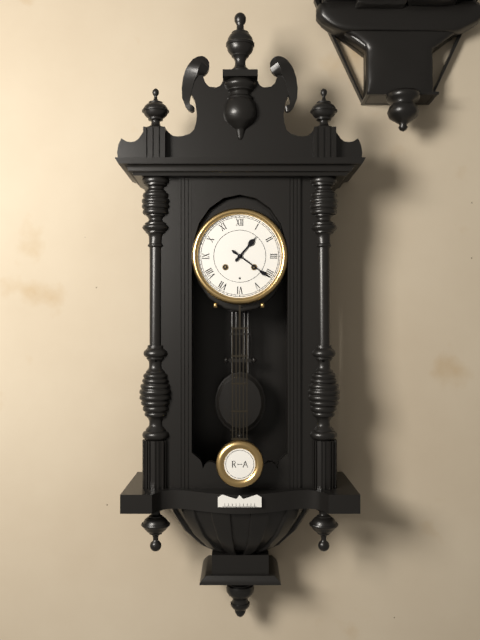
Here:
1,21
